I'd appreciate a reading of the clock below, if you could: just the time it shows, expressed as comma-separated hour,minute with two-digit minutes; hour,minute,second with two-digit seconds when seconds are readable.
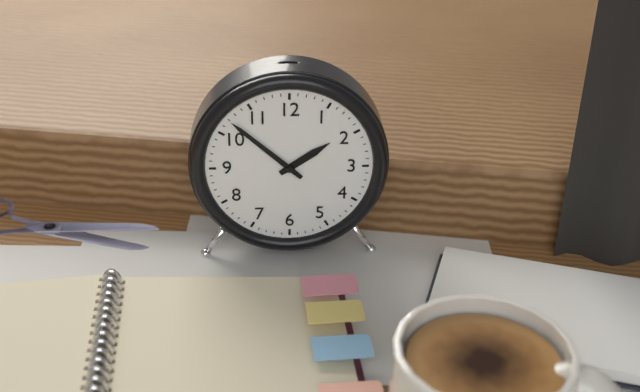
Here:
1,52
